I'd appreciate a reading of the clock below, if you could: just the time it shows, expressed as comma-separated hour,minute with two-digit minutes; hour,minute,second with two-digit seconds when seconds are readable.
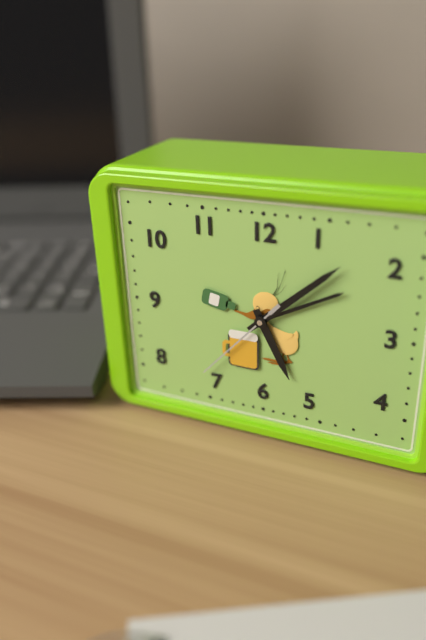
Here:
5,08,37
